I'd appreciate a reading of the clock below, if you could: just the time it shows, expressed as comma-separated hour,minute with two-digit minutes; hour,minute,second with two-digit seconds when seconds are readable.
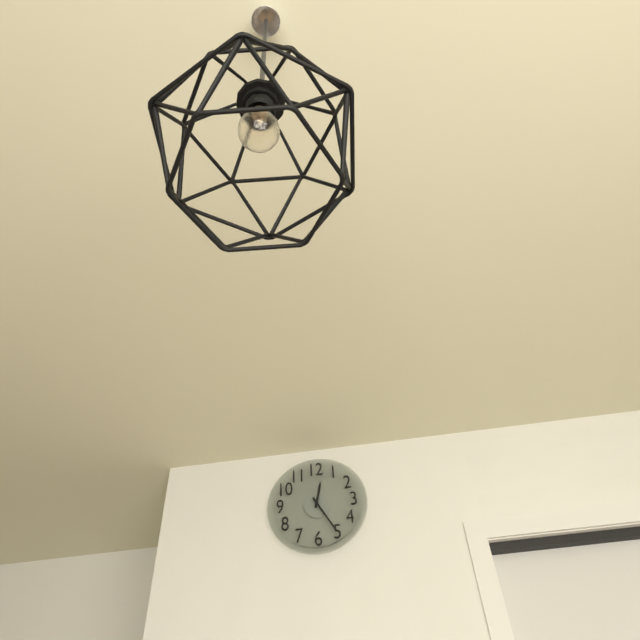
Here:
12,25
